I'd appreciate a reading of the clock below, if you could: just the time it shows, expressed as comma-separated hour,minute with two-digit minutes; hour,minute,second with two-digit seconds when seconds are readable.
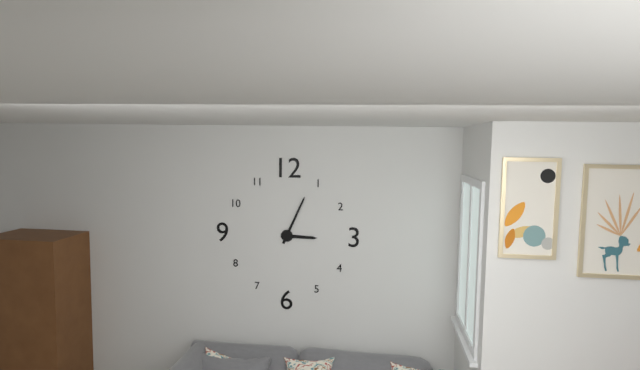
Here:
3,04
